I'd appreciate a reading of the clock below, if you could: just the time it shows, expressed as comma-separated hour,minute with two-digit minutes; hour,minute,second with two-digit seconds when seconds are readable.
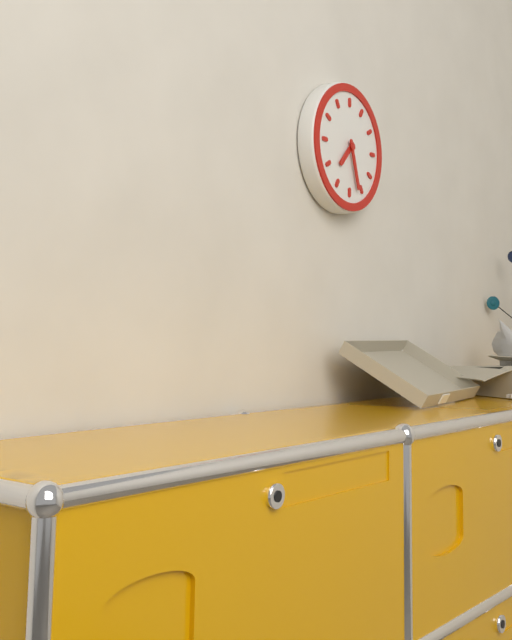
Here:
7,27
